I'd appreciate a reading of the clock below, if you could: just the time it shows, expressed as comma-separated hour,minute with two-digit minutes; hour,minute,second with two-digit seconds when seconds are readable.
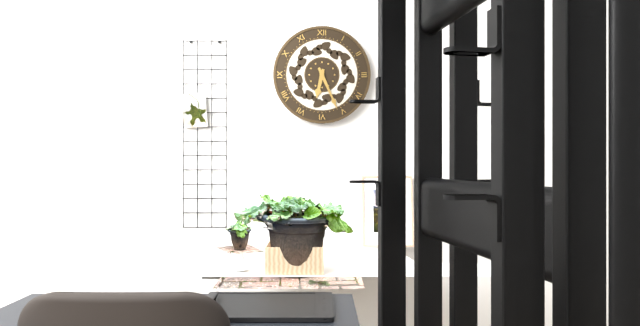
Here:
6,26
